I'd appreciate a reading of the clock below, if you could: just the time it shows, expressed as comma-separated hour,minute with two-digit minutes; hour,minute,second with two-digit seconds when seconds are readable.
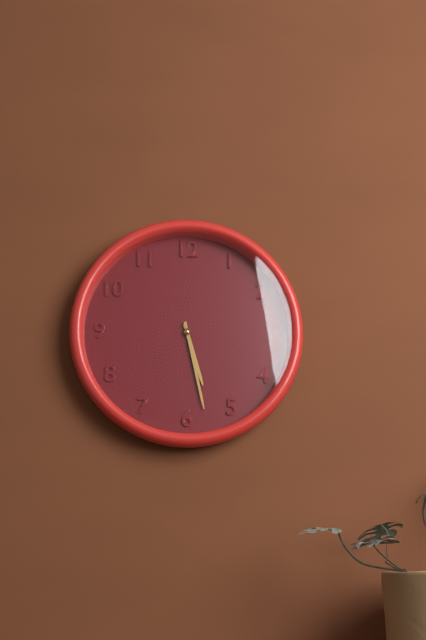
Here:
5,28
